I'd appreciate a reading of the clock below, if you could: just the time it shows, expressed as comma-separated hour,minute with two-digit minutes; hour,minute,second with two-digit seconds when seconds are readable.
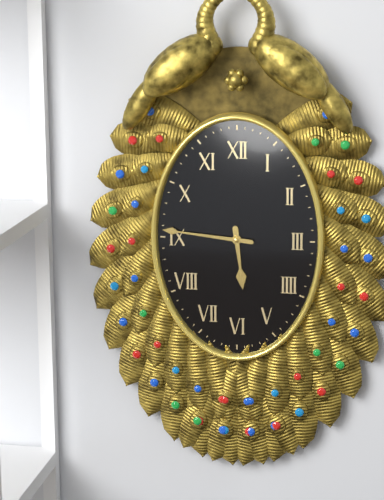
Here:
5,46
